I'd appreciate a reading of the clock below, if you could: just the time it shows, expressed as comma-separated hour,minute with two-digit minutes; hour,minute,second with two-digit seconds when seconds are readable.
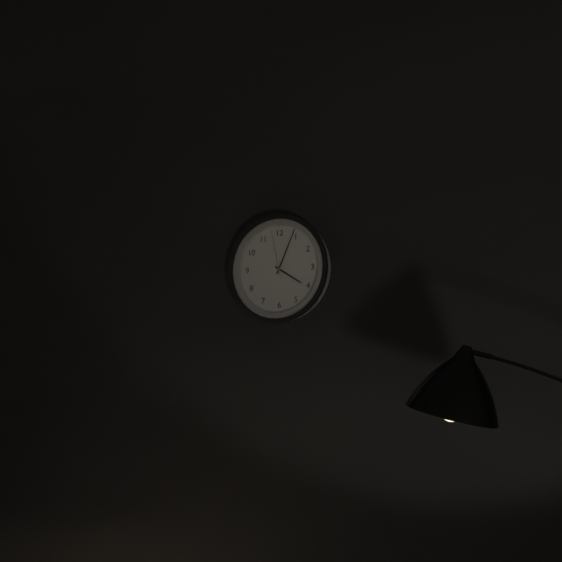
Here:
4,04,58
